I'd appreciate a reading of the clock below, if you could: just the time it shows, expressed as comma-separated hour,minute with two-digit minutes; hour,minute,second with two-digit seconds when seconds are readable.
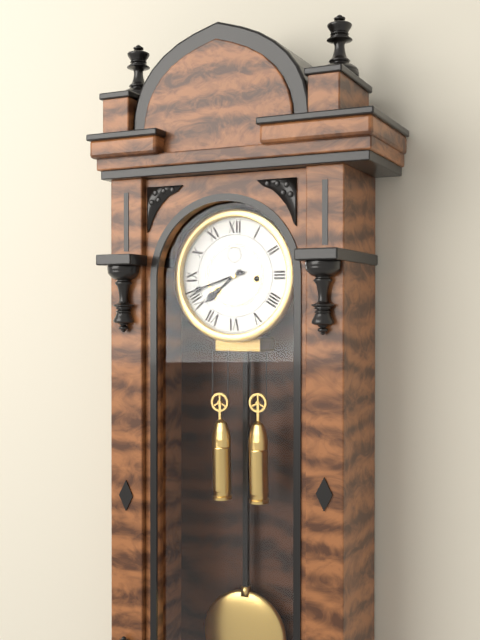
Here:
7,42
